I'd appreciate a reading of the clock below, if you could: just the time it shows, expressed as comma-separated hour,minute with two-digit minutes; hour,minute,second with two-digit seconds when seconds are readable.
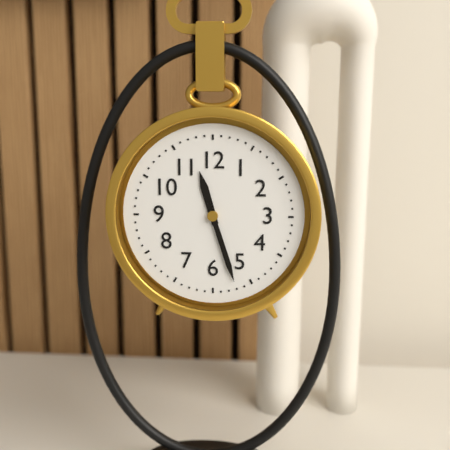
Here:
11,27
